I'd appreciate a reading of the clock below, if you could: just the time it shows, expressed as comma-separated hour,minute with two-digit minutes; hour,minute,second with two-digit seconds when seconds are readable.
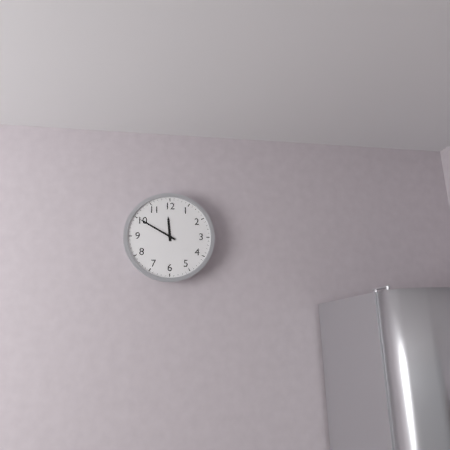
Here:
11,50
